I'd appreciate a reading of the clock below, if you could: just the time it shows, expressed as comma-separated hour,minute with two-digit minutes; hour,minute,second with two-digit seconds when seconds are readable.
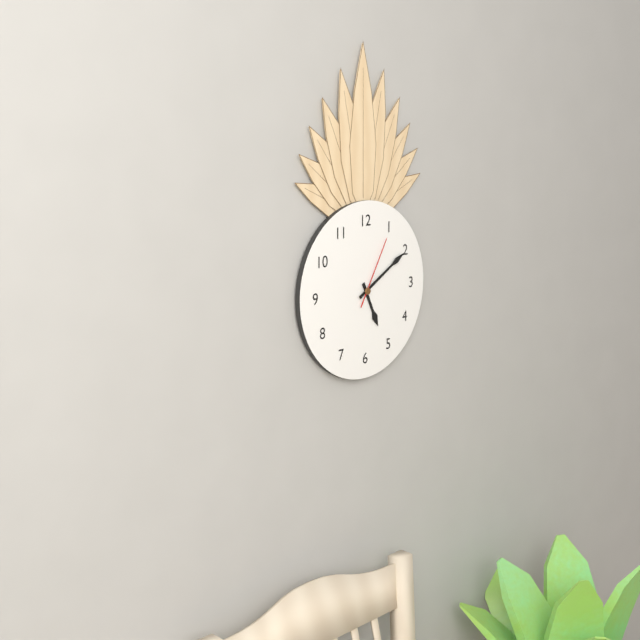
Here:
5,10,05
